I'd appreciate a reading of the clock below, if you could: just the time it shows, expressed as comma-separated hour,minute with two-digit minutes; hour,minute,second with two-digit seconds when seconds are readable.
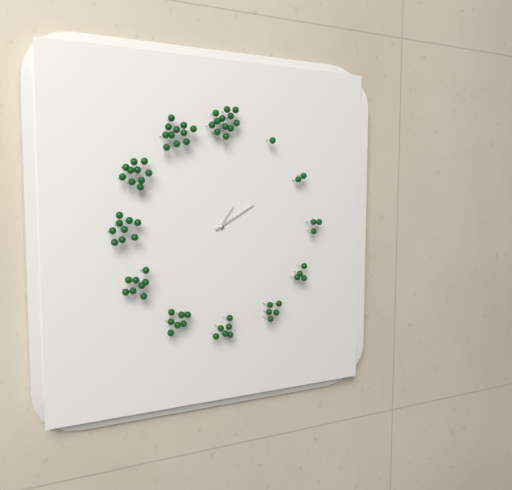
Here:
1,10
